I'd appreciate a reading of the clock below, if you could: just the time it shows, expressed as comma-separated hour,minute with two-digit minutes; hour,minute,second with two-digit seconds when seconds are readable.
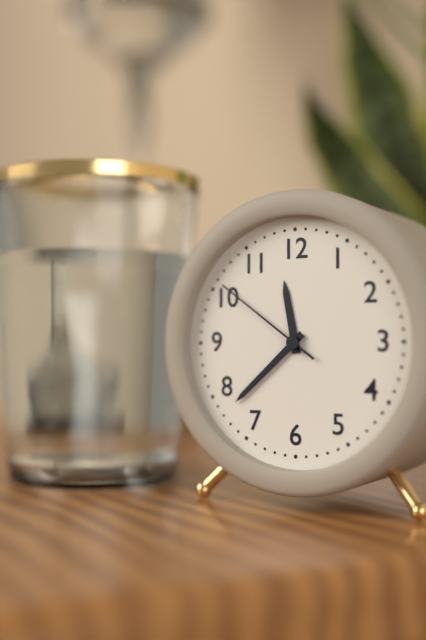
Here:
11,38,51
